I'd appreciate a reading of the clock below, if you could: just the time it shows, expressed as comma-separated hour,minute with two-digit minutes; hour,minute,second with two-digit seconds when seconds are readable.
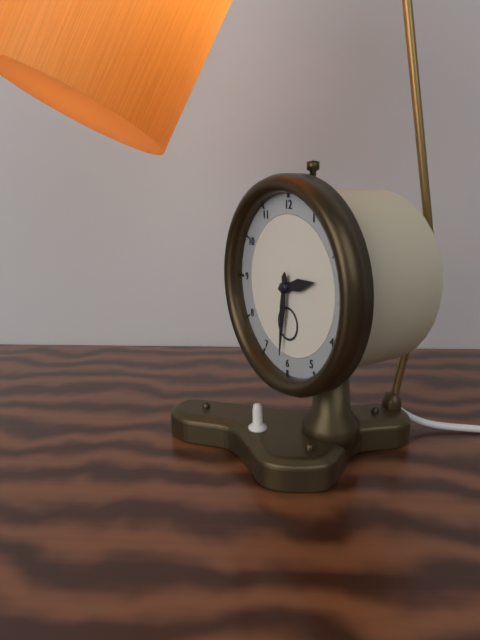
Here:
2,31
